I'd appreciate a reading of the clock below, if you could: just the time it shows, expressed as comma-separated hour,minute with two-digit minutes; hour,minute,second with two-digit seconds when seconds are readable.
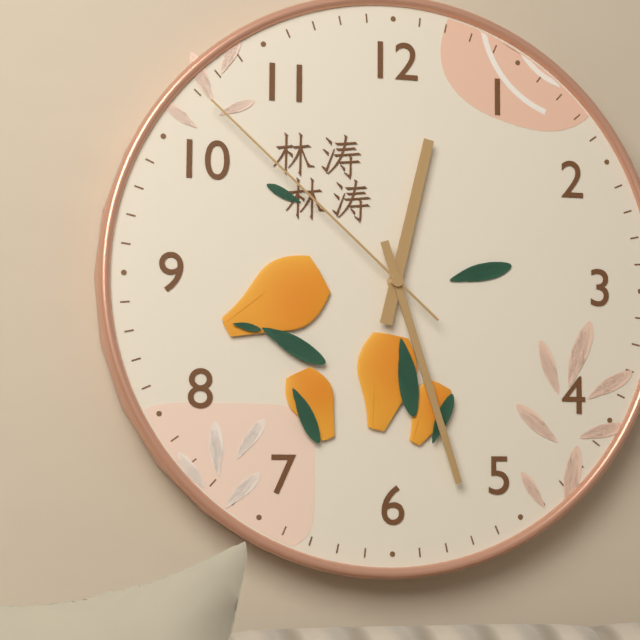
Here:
12,27,52
